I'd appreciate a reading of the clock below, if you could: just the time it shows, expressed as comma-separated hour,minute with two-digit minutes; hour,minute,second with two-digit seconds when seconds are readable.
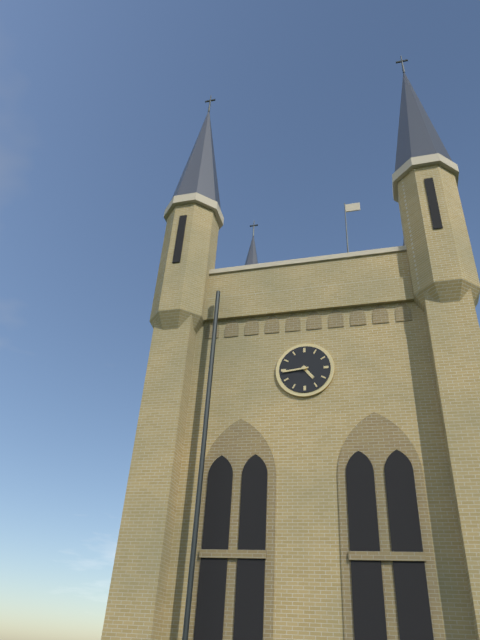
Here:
4,44
